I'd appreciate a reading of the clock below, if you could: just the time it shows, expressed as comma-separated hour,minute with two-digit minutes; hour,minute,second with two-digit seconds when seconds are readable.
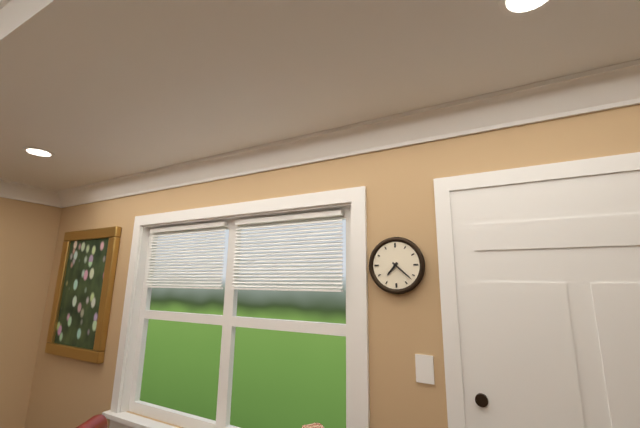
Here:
7,22
